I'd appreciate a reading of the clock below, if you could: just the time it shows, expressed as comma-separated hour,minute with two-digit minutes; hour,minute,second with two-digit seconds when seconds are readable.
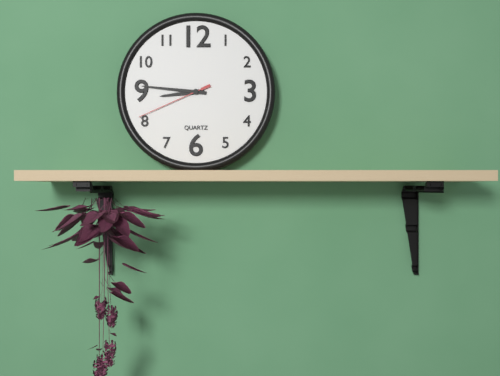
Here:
8,46,41
